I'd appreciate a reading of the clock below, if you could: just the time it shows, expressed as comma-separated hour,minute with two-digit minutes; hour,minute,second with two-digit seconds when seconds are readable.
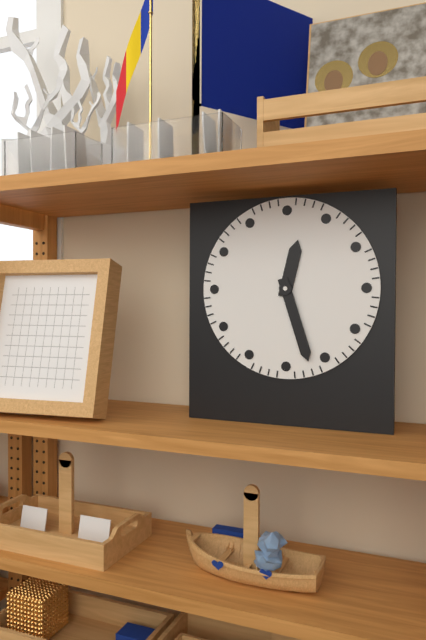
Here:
12,27
